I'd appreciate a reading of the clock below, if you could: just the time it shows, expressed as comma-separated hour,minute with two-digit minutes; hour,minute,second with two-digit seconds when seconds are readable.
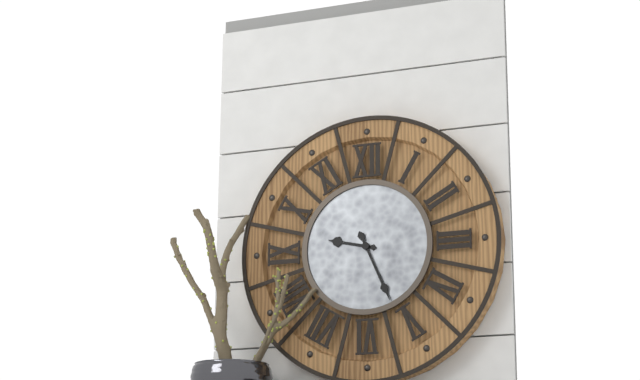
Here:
9,26
